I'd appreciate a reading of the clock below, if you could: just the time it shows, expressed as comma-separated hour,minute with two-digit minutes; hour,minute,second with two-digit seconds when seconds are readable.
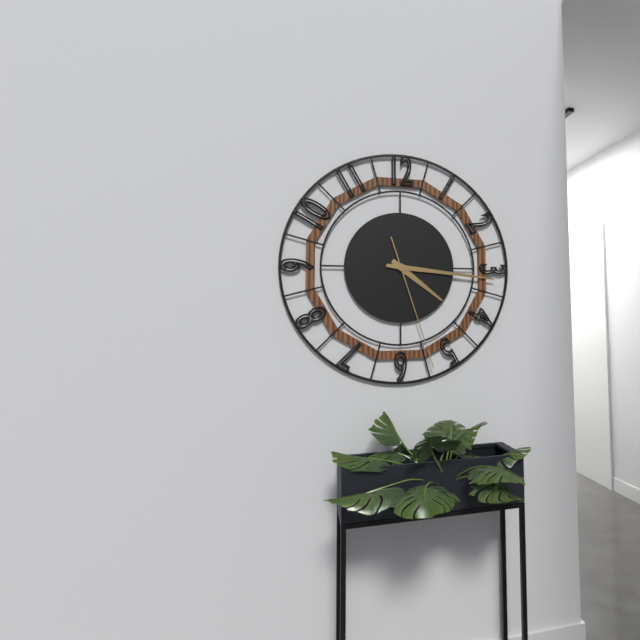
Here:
4,16,27
